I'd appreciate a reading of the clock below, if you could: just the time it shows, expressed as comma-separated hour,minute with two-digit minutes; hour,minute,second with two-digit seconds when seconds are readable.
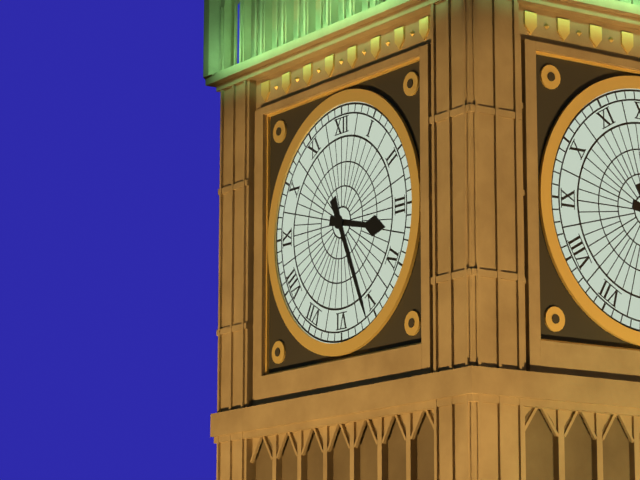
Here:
3,26
